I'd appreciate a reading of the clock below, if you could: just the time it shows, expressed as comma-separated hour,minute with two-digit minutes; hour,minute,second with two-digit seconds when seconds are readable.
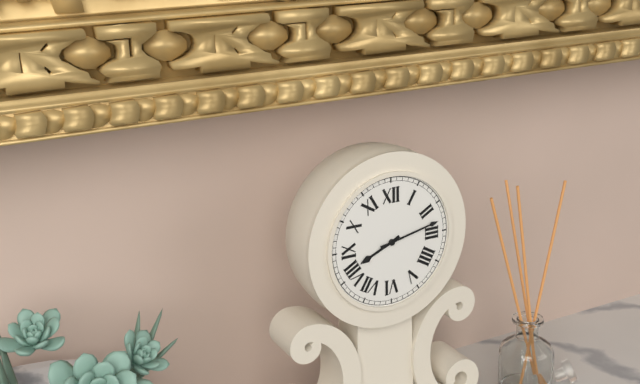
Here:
8,13
